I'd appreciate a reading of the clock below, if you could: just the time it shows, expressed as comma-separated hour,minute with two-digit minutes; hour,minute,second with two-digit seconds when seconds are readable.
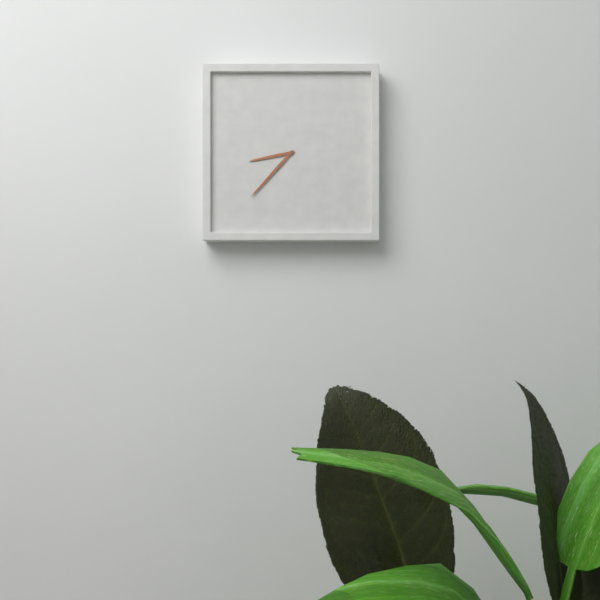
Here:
8,37
